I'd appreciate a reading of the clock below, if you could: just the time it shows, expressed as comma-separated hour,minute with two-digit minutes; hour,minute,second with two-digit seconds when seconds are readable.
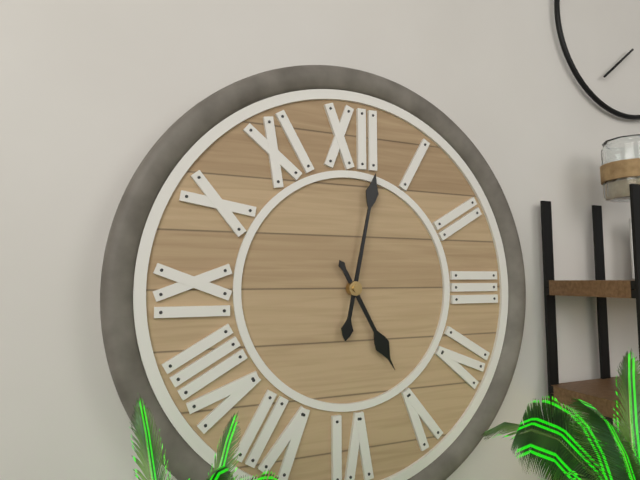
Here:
5,02
